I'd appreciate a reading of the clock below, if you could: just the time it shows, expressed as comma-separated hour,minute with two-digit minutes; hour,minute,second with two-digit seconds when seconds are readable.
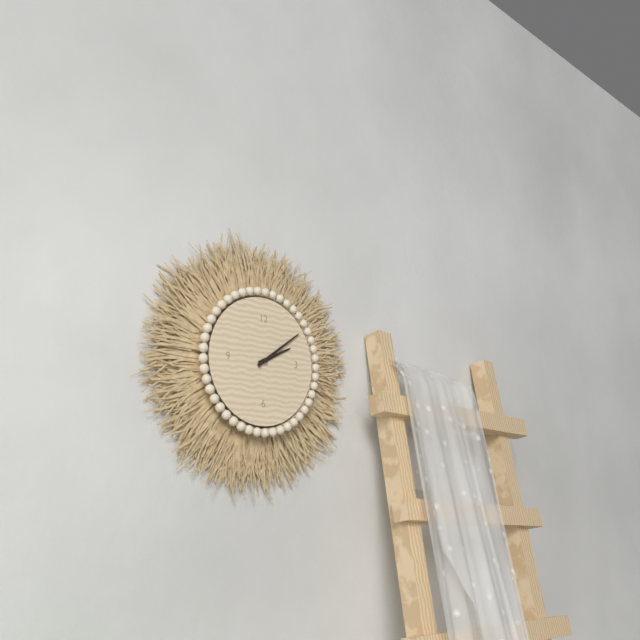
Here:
2,09
